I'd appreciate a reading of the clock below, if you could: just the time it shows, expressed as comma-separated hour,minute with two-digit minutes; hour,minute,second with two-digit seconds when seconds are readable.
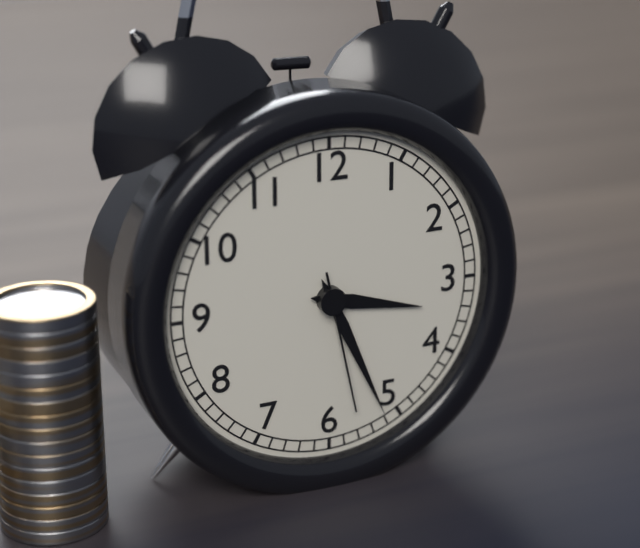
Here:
3,26,28
